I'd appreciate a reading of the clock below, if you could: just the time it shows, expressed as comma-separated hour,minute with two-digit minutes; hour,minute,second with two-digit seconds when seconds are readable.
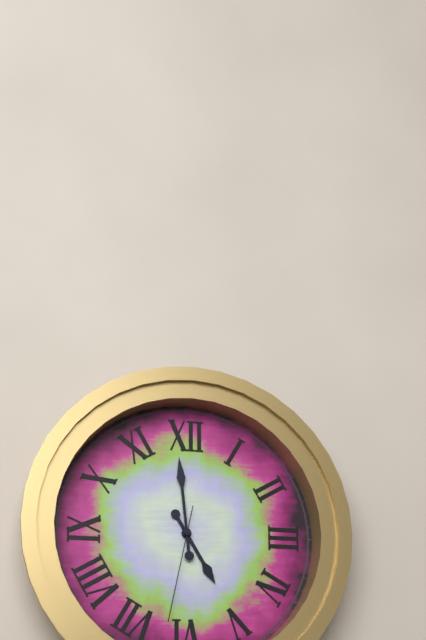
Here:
4,59,32
